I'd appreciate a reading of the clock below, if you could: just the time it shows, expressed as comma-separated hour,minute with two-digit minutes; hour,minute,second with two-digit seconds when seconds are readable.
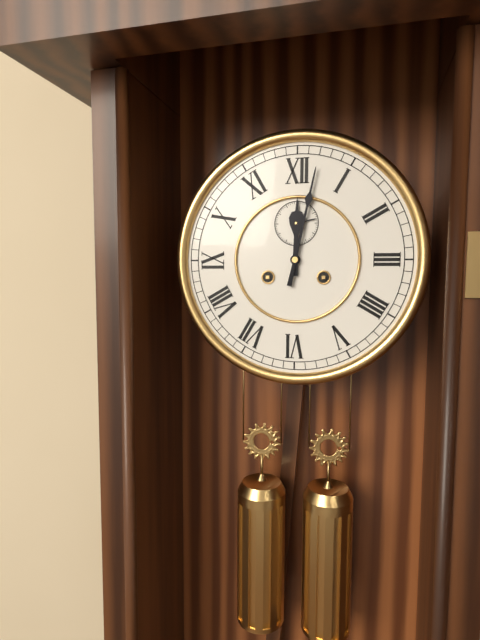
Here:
12,02
